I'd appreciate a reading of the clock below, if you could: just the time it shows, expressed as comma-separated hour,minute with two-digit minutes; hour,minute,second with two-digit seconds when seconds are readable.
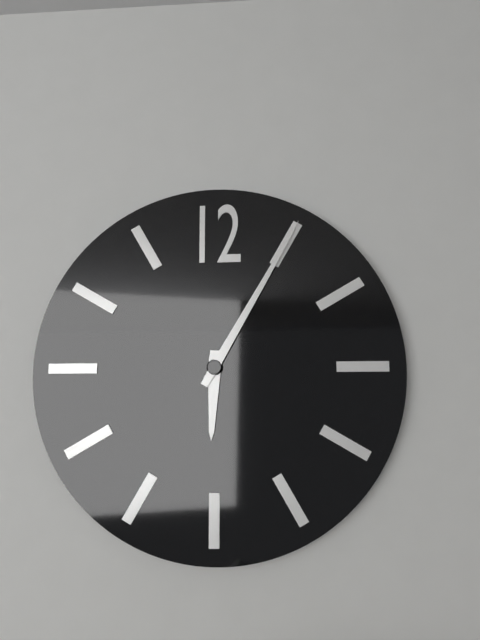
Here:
6,05
